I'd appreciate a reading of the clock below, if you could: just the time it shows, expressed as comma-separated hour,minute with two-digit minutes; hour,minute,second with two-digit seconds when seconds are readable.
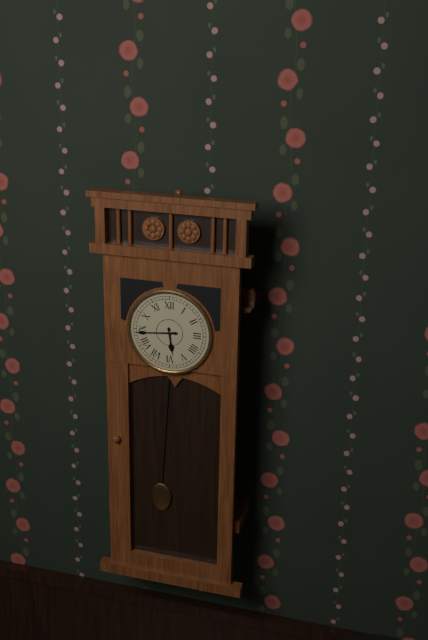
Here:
5,44
